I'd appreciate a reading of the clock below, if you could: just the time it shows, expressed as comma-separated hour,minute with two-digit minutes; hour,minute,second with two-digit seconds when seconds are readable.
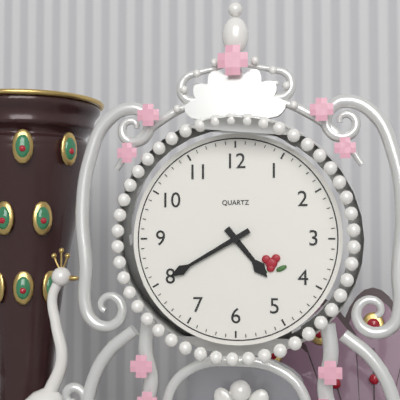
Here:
4,40
